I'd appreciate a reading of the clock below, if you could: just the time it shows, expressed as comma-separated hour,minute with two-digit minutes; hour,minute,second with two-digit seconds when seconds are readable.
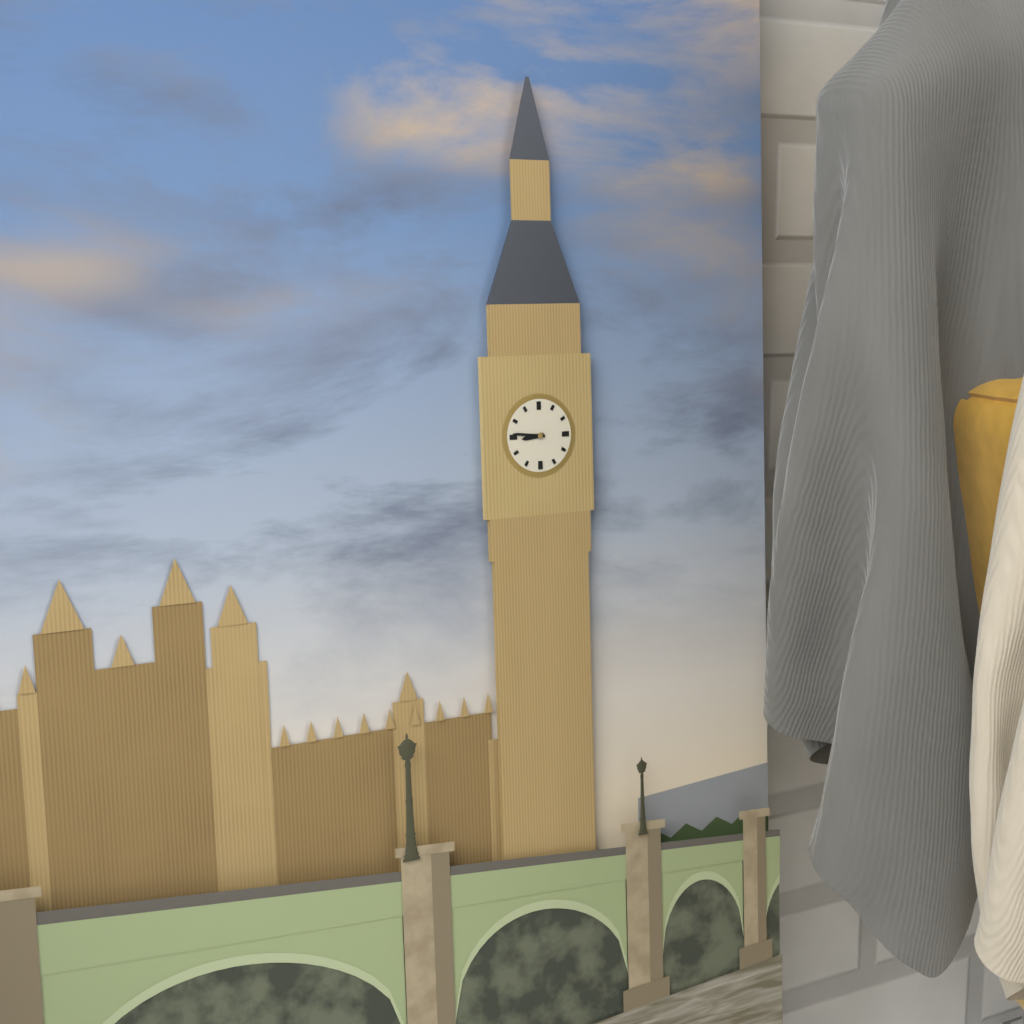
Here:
8,46
